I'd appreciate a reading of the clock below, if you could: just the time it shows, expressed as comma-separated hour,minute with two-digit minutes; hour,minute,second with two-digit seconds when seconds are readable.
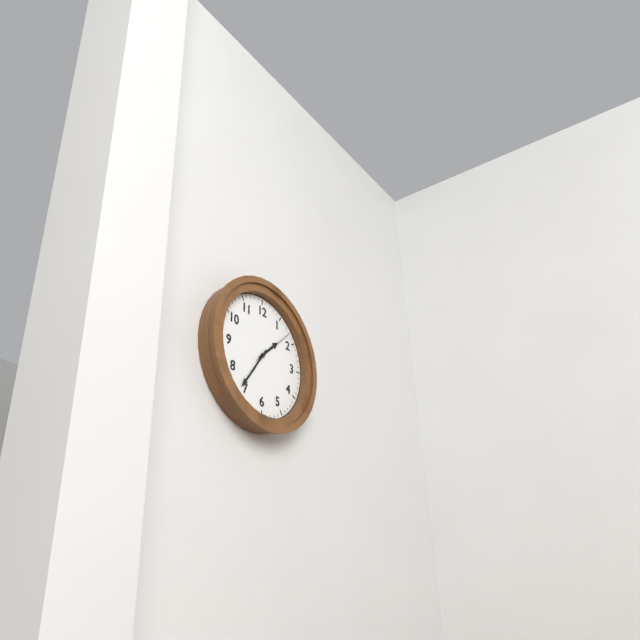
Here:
1,36
